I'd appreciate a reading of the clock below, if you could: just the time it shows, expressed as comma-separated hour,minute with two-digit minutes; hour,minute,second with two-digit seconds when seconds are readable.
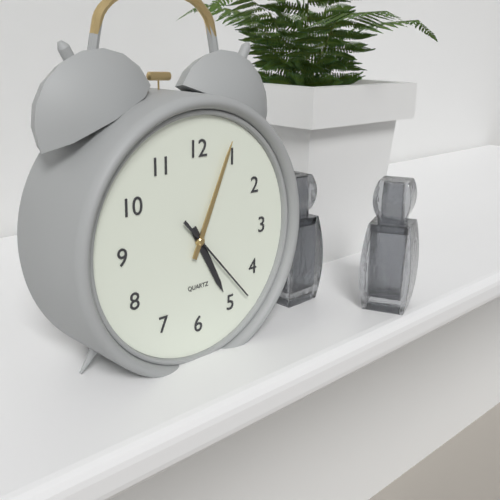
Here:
5,04,23
